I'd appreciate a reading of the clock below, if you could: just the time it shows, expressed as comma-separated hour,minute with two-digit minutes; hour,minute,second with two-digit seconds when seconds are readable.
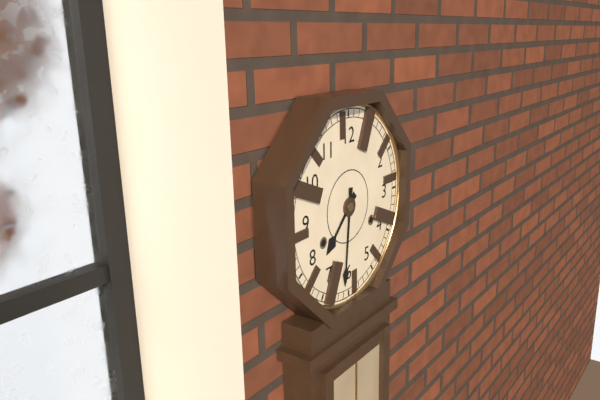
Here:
7,31
